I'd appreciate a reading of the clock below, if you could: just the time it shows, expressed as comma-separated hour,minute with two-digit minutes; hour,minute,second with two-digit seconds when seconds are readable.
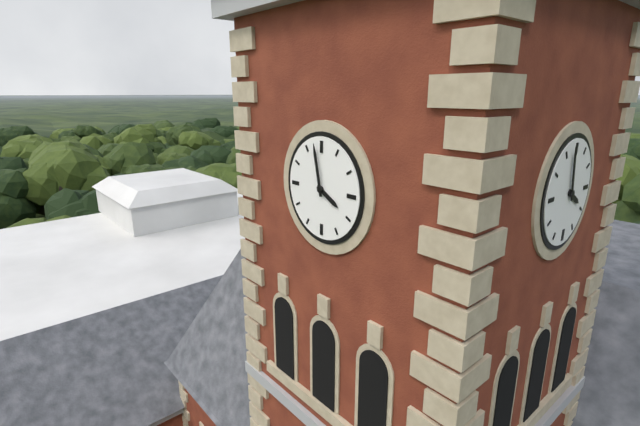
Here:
3,58
